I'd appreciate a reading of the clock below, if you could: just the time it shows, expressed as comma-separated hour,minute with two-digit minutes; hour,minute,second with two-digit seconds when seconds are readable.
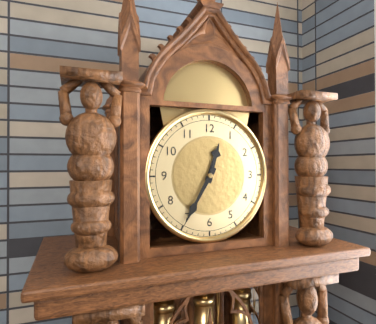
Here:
12,35
